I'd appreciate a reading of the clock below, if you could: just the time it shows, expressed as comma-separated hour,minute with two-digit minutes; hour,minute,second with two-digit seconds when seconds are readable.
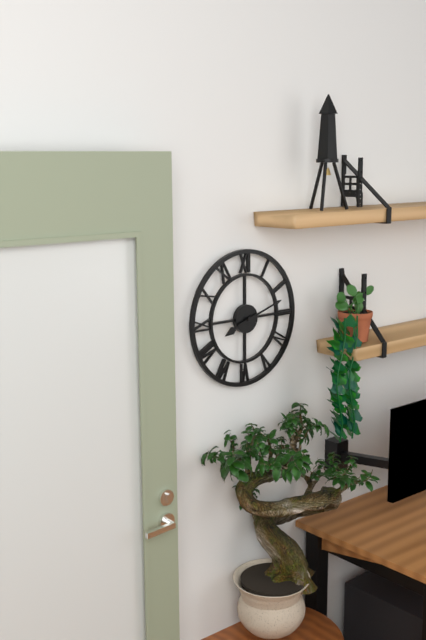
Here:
8,12
